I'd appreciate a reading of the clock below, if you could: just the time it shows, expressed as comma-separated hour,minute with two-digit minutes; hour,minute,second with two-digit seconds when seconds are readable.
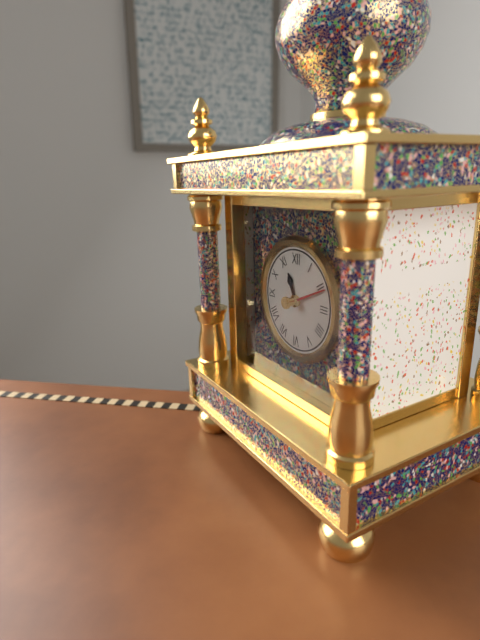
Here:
11,11
